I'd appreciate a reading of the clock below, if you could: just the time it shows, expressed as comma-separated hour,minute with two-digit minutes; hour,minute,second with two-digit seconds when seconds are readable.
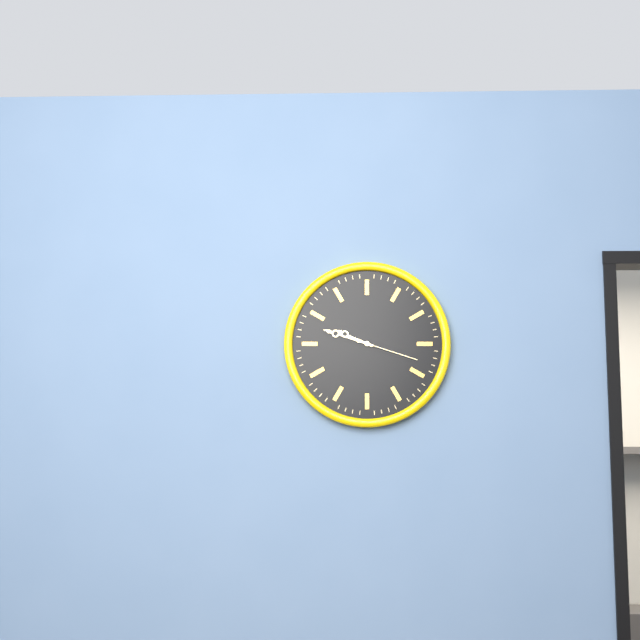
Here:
9,48,18
